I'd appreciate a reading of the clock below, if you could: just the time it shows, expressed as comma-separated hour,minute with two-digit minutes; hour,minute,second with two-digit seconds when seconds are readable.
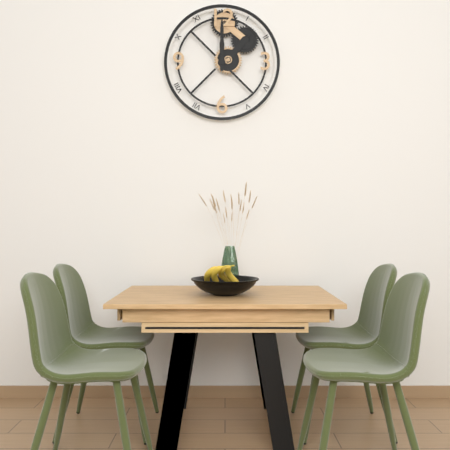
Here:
12,00
